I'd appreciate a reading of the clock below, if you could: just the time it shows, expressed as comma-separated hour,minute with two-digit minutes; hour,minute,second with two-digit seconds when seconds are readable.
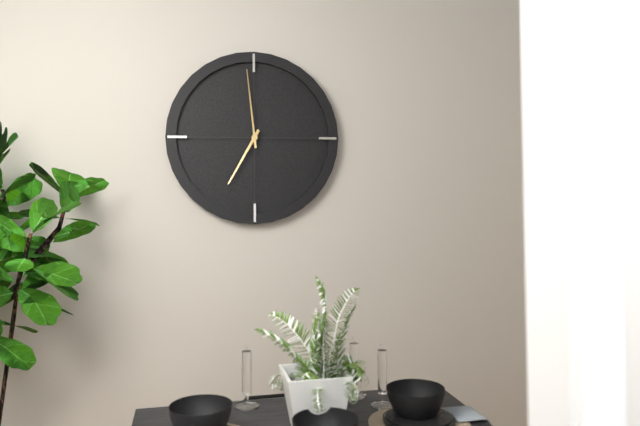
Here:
6,59
